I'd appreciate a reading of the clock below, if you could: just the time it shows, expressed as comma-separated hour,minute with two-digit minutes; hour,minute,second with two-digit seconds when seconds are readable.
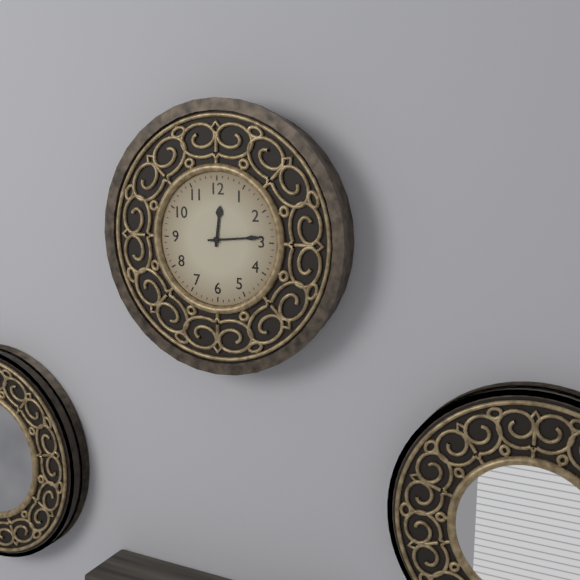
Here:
12,14
